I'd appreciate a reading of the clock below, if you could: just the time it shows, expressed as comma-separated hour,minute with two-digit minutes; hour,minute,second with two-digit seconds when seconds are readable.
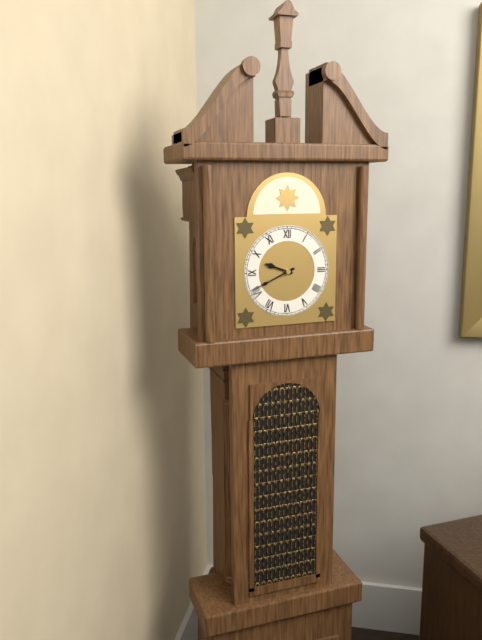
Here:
9,41
